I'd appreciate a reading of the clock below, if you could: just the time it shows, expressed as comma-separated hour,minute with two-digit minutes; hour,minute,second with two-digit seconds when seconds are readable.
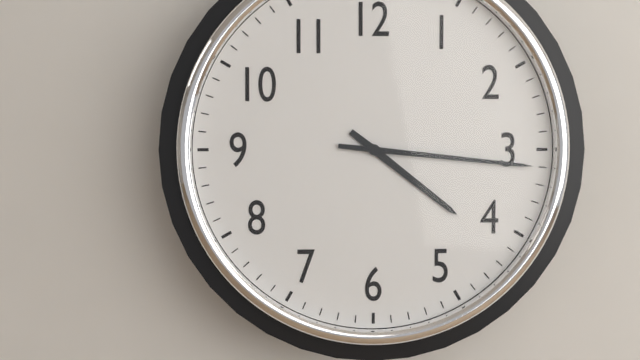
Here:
4,16
